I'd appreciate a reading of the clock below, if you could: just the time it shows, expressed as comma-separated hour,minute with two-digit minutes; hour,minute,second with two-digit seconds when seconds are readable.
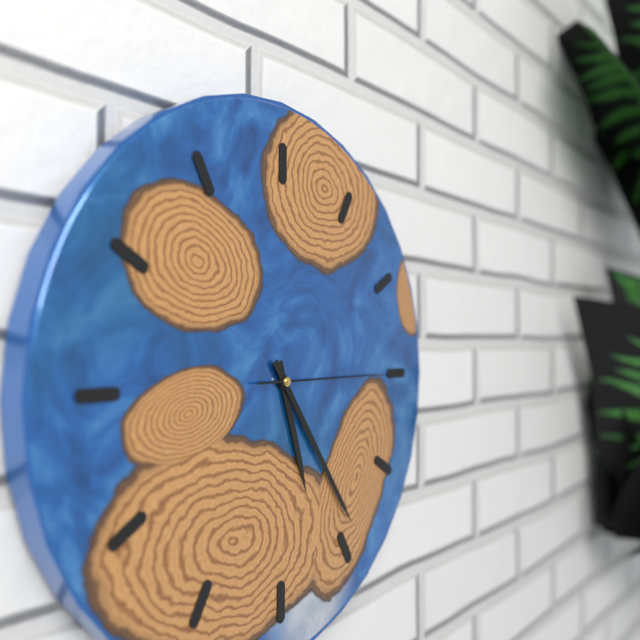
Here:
5,24,15
